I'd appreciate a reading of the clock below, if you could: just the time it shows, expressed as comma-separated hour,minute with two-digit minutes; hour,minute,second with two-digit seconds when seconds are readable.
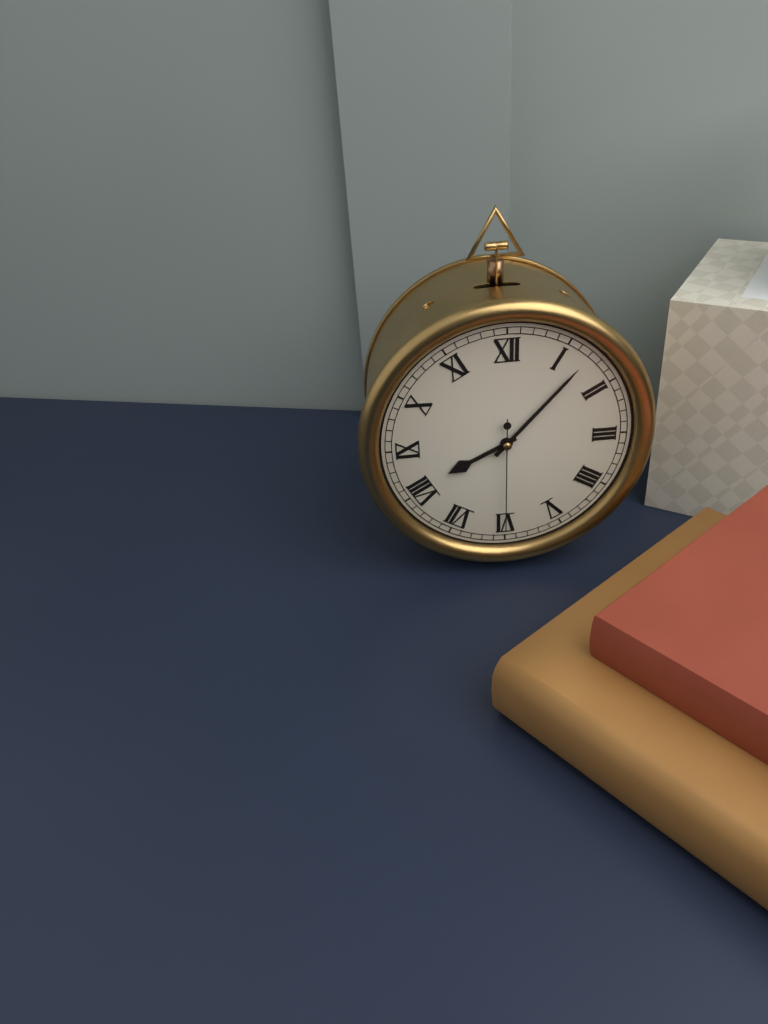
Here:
8,07,30
